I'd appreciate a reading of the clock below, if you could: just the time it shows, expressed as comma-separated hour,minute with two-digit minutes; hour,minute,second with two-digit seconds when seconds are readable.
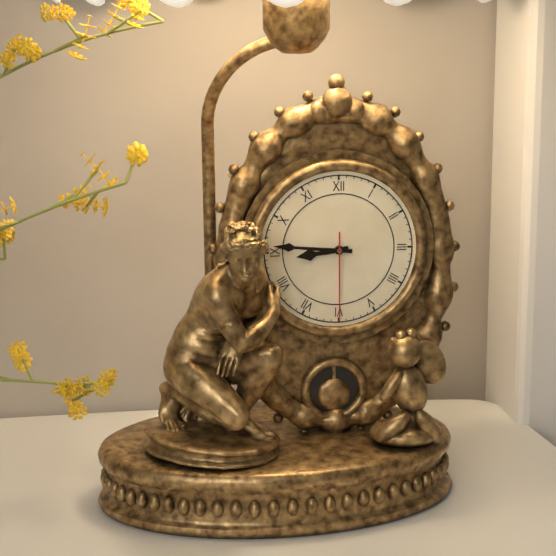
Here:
8,46,30
